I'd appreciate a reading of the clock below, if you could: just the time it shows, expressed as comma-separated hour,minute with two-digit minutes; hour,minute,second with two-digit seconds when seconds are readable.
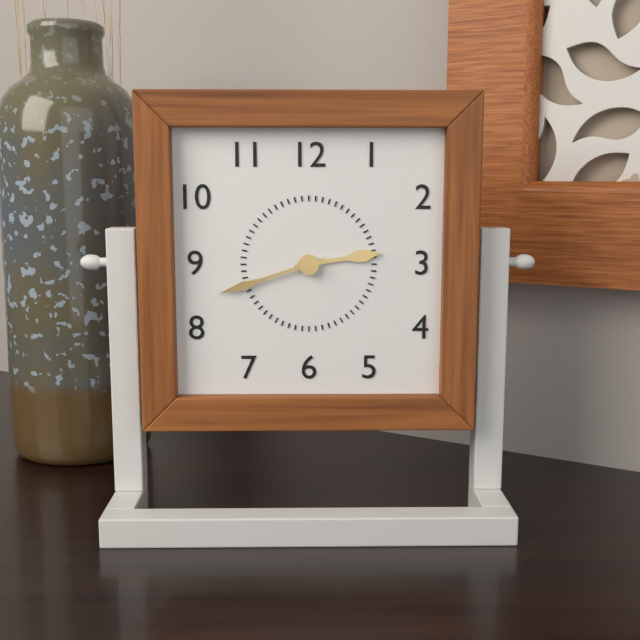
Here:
2,42
